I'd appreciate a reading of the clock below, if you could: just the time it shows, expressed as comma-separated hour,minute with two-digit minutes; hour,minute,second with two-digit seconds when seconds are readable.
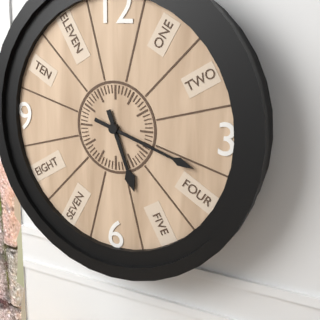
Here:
5,18
